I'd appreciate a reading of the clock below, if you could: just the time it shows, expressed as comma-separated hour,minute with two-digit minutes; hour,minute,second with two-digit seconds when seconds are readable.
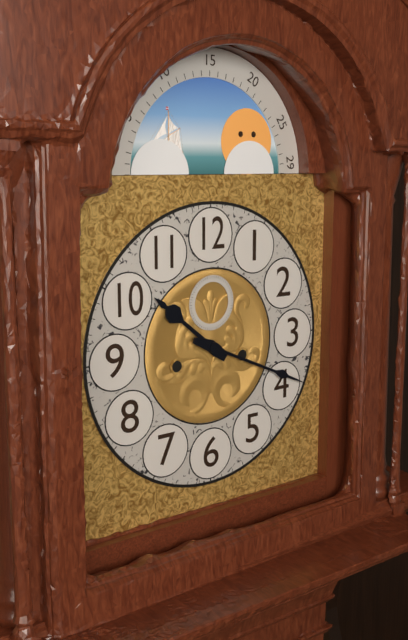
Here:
10,19
